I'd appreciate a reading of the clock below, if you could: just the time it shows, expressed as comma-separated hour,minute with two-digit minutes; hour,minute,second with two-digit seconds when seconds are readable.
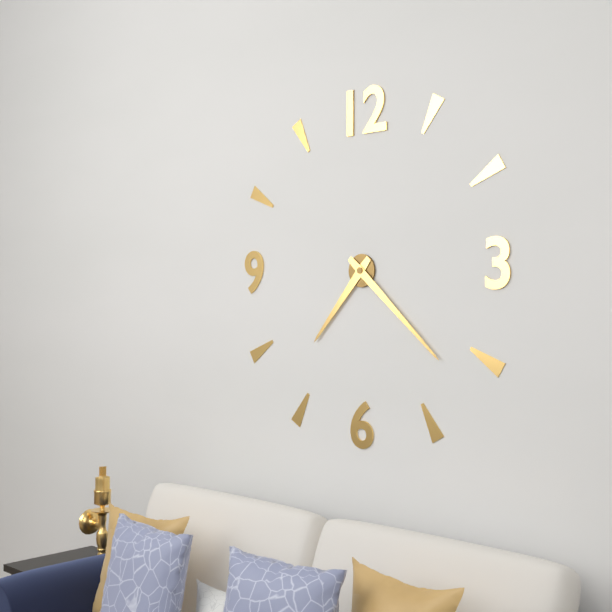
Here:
7,22
